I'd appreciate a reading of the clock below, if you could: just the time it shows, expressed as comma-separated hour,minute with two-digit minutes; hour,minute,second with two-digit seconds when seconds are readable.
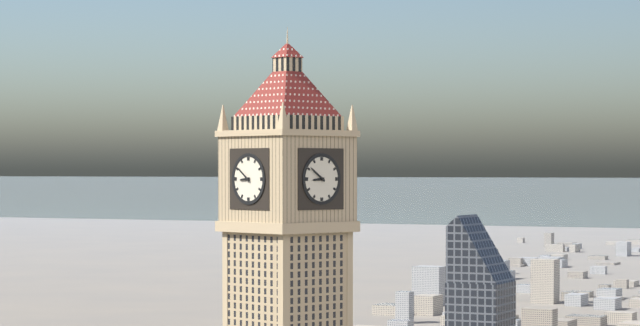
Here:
8,51
